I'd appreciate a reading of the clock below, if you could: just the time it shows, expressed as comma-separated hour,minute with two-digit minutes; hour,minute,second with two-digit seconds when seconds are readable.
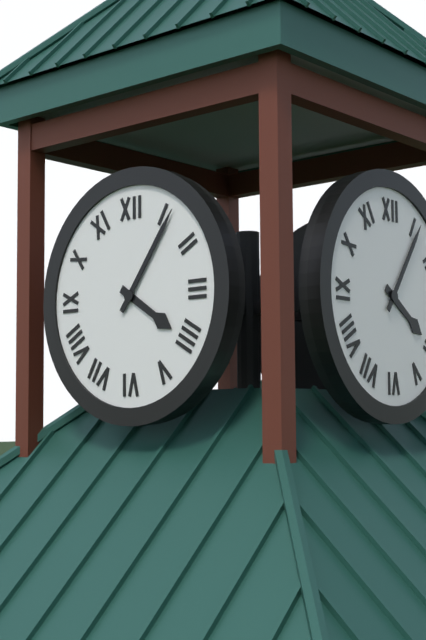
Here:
4,06
